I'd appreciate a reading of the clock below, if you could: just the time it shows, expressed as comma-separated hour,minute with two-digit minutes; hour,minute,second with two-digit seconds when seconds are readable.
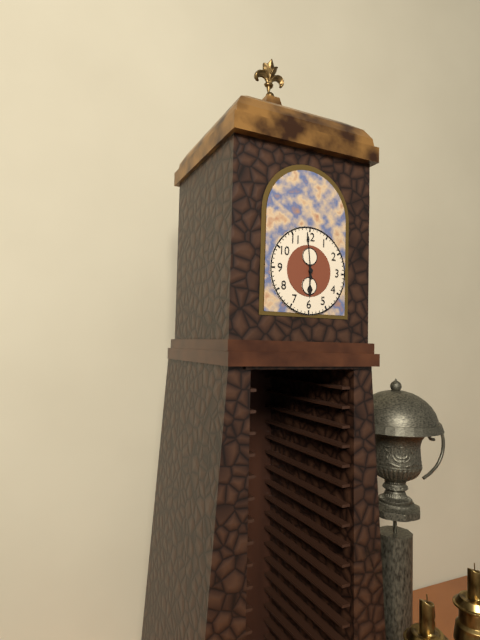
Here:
5,59
